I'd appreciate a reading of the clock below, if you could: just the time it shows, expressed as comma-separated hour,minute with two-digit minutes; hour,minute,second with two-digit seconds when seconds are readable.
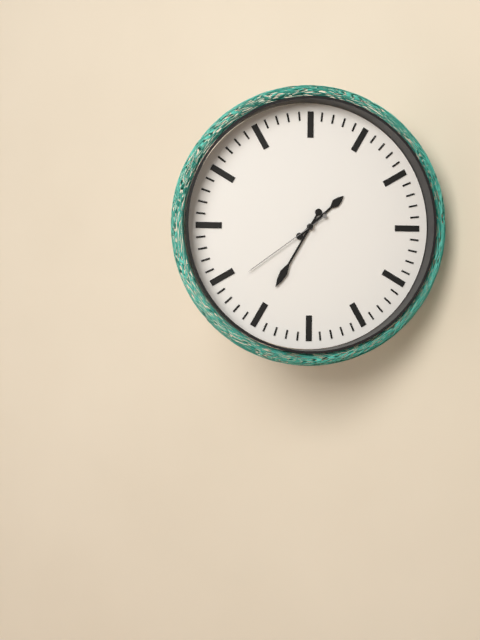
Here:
1,35,39
